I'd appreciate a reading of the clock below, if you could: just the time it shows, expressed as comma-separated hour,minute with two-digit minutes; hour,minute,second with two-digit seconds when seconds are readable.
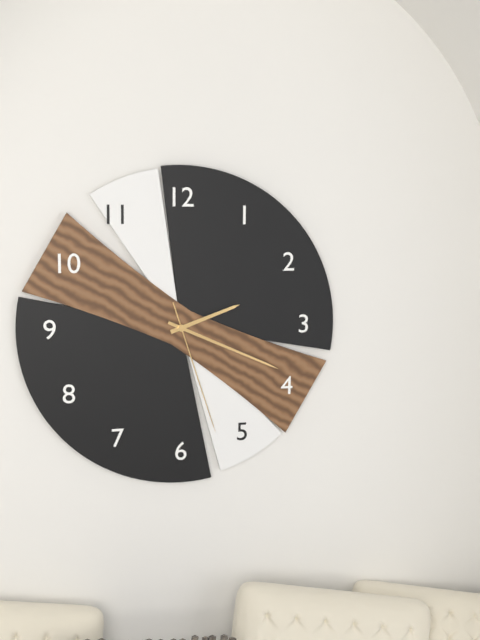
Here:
2,19,27
